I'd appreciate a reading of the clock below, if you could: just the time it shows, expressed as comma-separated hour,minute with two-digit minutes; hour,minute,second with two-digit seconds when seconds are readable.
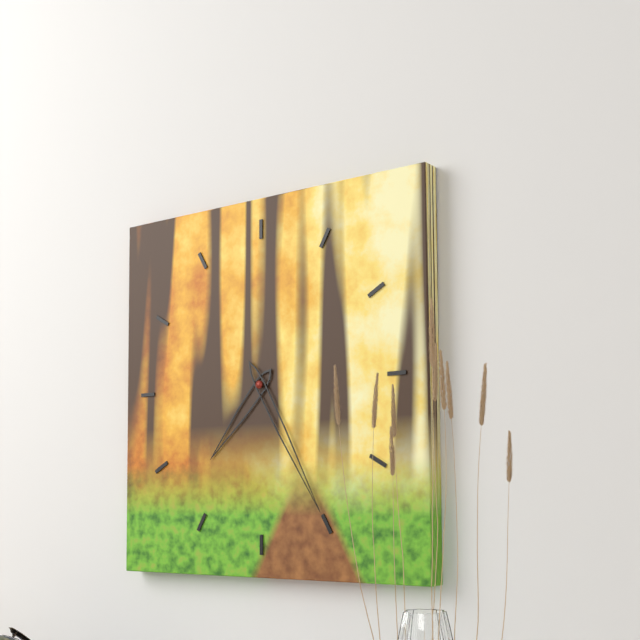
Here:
7,25
